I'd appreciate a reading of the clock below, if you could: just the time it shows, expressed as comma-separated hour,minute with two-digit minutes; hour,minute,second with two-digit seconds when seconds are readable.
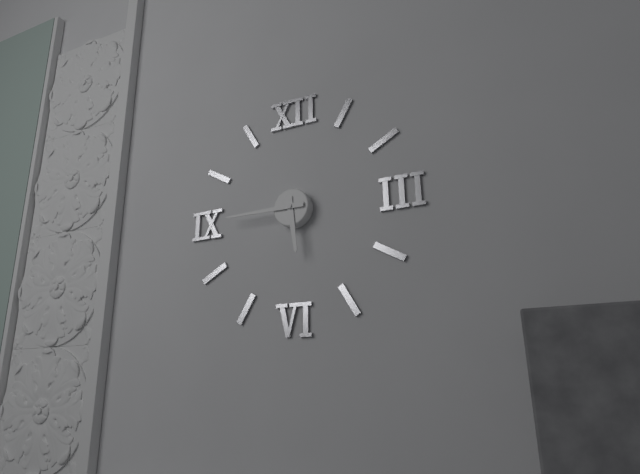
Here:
5,45
